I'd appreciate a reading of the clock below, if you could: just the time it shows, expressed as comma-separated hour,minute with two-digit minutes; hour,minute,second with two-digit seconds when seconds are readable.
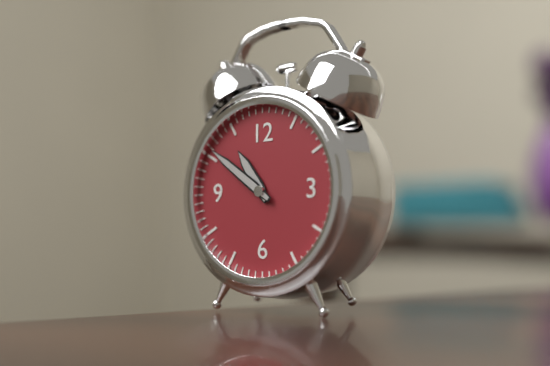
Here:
10,51
